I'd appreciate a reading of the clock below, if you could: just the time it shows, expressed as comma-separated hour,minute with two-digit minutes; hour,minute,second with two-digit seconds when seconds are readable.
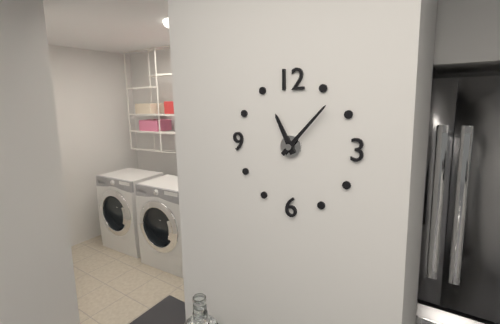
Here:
11,07
